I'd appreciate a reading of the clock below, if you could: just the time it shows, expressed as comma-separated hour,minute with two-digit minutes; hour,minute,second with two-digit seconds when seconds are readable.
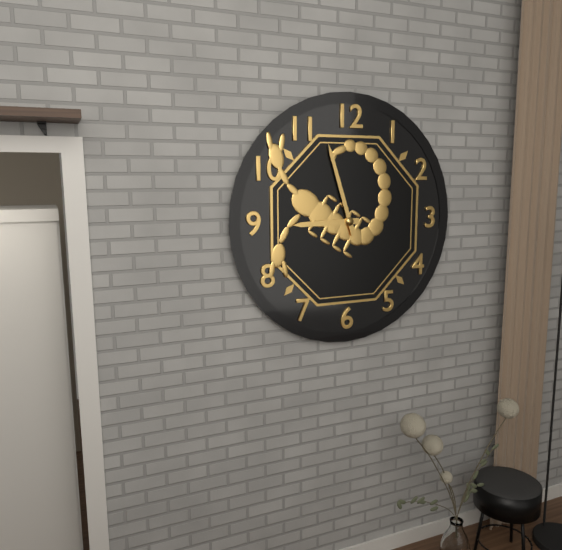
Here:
8,57
